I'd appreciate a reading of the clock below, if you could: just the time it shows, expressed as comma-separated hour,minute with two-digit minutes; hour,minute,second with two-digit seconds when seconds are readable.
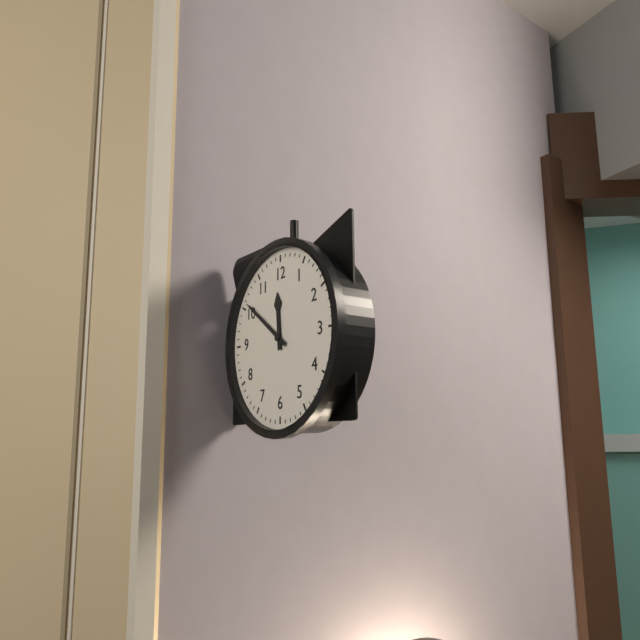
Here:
11,51
